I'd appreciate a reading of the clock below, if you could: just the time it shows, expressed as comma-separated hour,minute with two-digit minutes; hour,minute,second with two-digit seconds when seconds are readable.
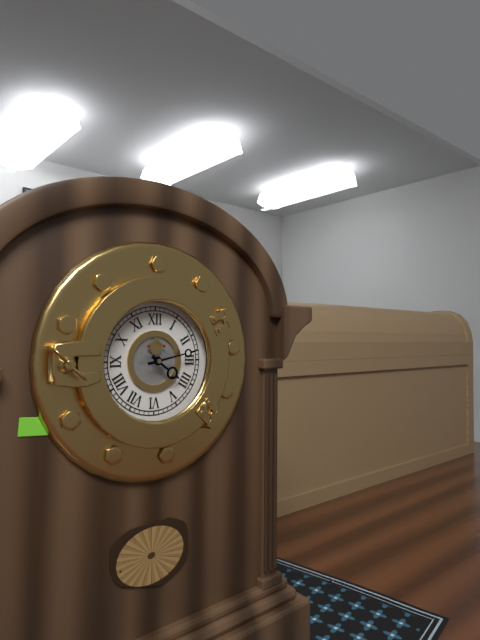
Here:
4,13
